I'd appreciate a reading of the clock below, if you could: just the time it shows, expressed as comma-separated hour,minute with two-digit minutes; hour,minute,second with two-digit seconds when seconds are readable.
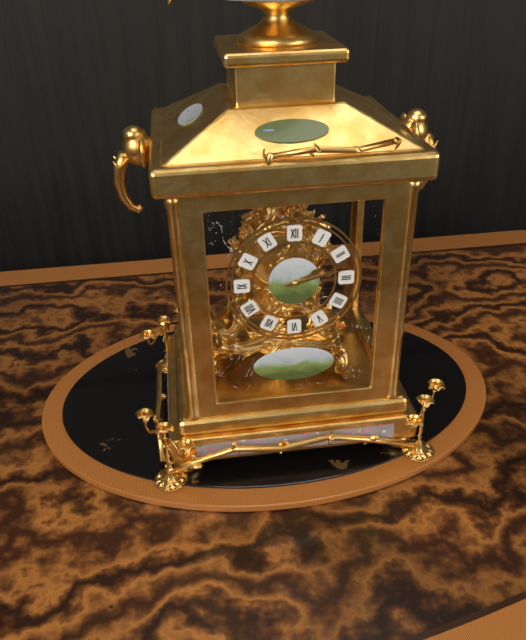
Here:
2,13
